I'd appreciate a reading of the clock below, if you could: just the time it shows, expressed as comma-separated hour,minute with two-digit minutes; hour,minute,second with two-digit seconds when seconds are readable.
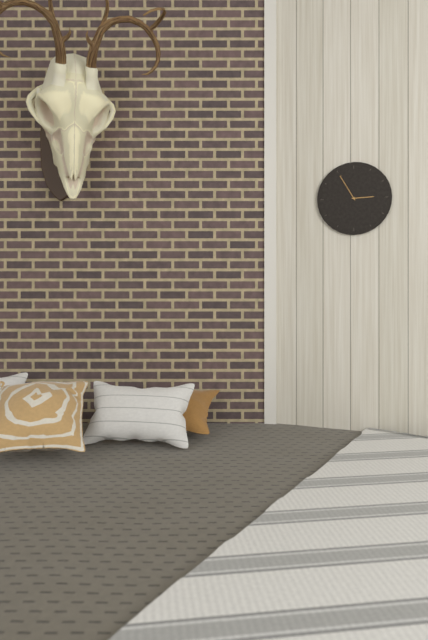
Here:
2,55
